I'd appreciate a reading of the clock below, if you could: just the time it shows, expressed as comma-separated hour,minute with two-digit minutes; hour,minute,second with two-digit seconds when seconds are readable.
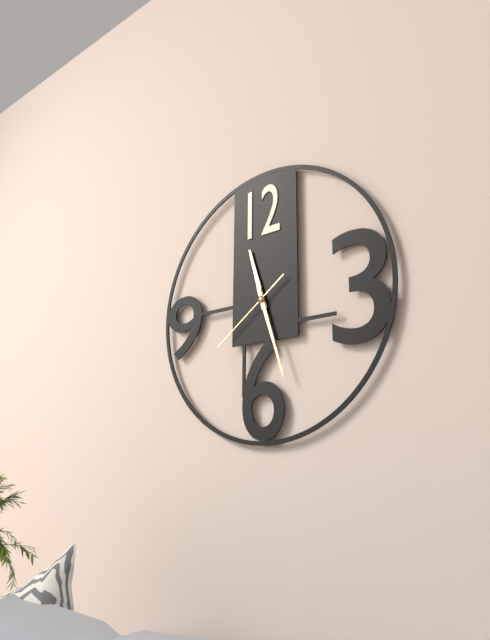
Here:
11,27,39
